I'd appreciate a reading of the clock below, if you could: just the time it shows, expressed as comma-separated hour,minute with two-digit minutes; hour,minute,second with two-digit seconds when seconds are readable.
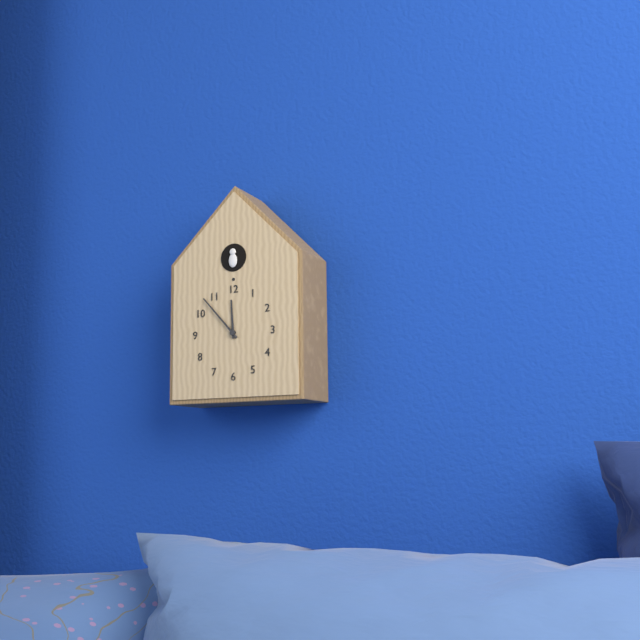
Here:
11,53
